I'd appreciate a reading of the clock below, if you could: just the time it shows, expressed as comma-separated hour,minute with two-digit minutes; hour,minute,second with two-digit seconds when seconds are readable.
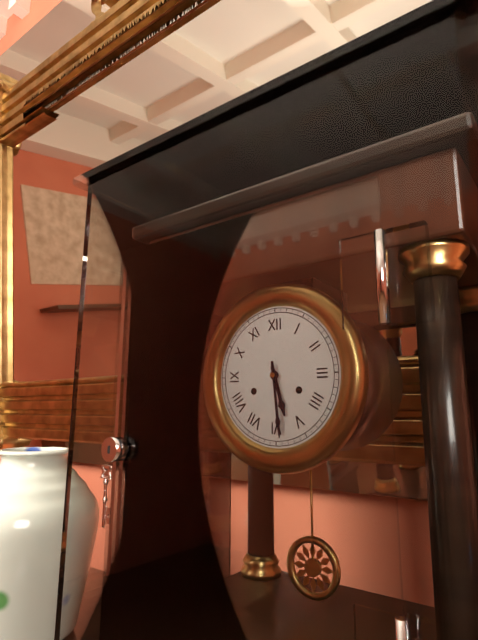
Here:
5,29
